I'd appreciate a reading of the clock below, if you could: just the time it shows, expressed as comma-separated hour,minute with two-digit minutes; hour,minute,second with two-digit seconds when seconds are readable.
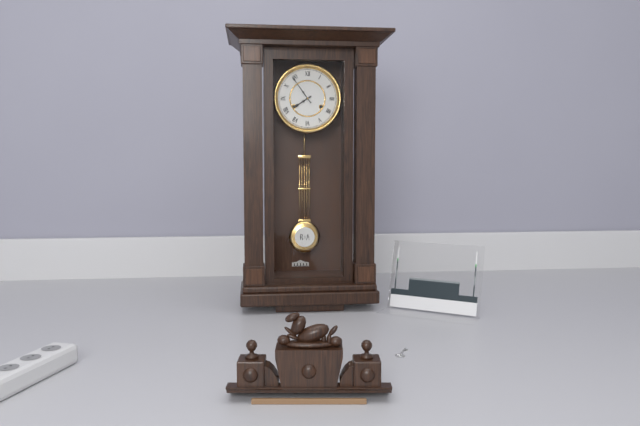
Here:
7,54
